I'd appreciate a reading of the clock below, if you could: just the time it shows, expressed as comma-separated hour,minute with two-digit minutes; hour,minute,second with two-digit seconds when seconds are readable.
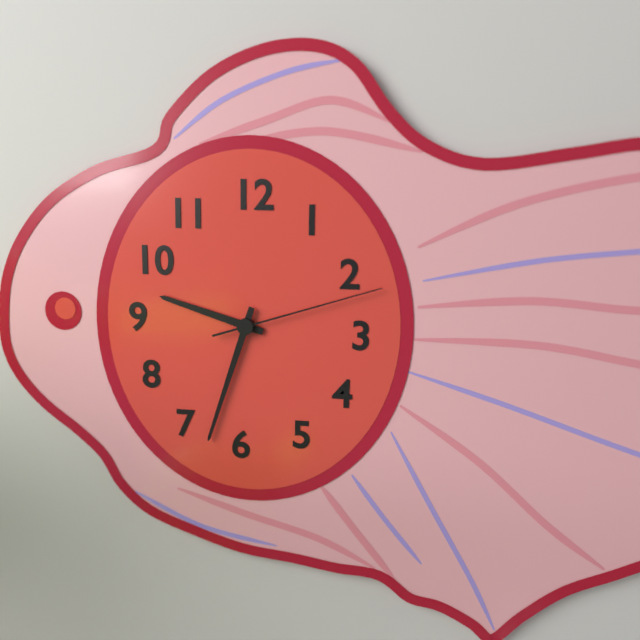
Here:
9,33,12
